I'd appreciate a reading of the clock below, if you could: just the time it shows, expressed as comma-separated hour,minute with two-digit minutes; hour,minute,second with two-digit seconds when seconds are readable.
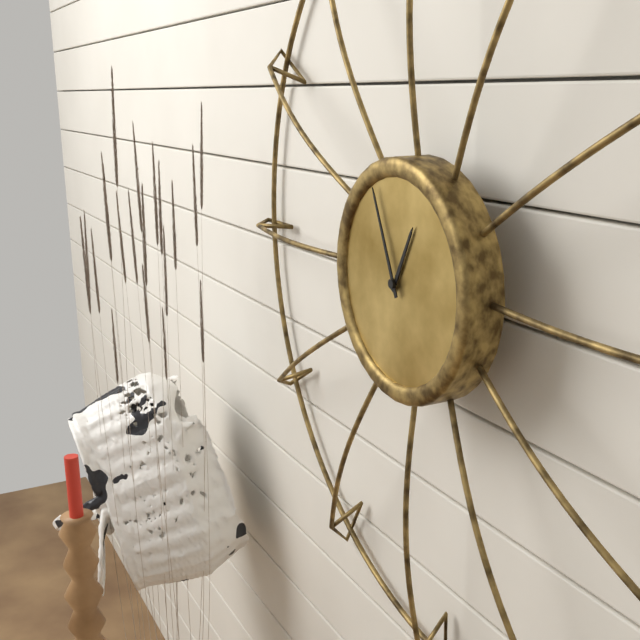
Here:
12,56
